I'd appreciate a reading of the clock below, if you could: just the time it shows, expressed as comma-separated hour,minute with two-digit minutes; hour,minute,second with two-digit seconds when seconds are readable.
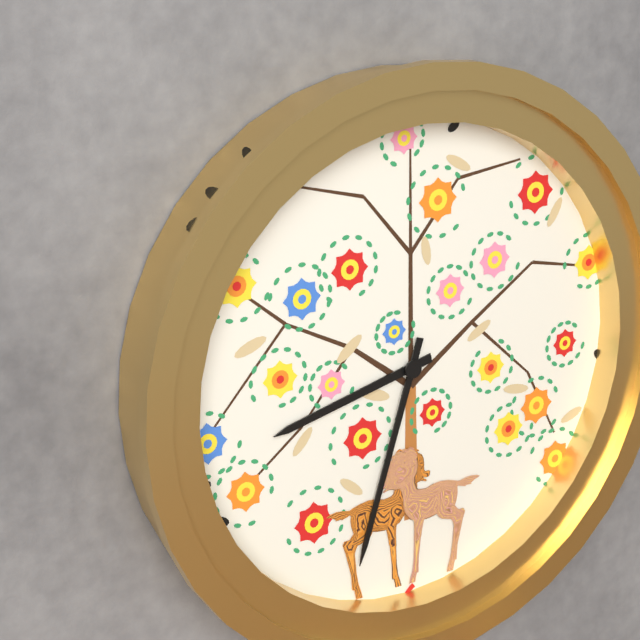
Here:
8,33
